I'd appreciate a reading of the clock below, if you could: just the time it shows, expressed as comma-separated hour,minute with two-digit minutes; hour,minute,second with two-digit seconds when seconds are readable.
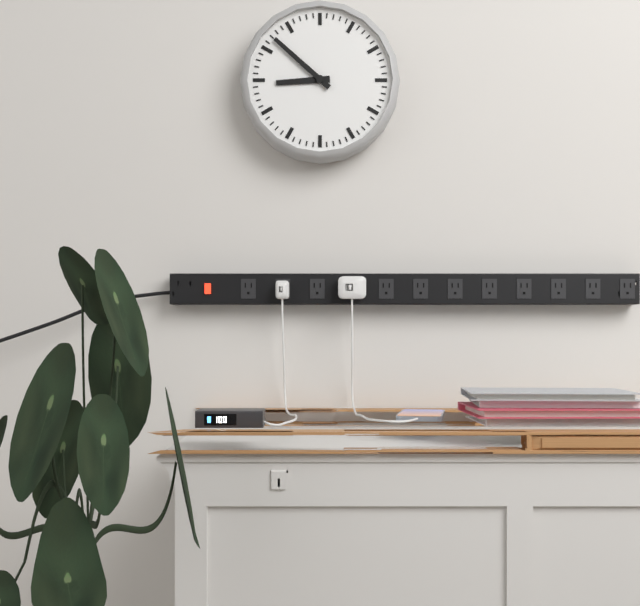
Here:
8,52
